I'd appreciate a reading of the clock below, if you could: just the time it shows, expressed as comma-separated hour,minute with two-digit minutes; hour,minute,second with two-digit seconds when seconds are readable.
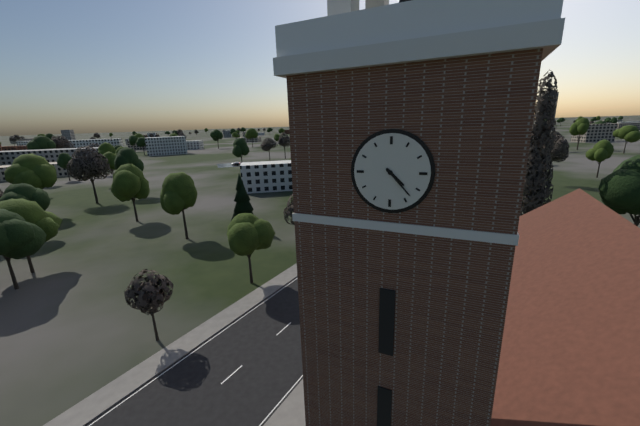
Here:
4,23
